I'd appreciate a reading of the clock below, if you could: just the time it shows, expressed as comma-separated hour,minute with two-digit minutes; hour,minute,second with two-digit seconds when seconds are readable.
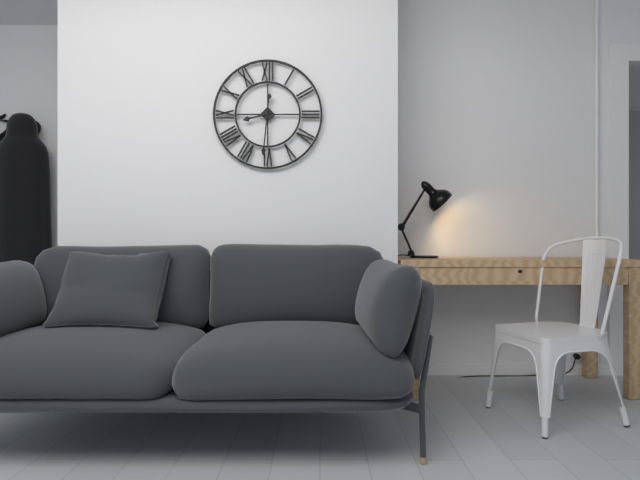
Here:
8,31
